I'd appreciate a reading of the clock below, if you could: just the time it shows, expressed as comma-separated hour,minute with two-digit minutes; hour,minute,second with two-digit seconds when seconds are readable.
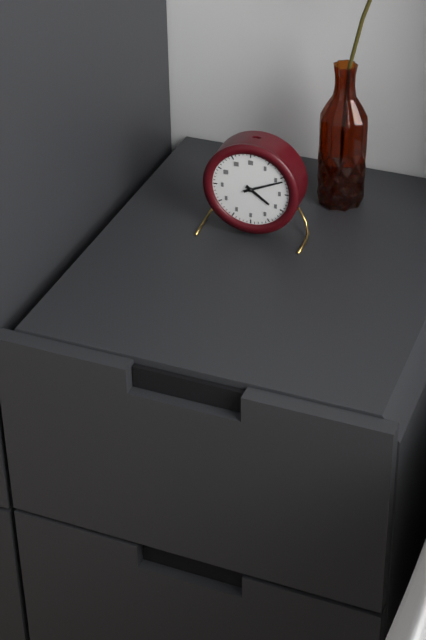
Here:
4,11
